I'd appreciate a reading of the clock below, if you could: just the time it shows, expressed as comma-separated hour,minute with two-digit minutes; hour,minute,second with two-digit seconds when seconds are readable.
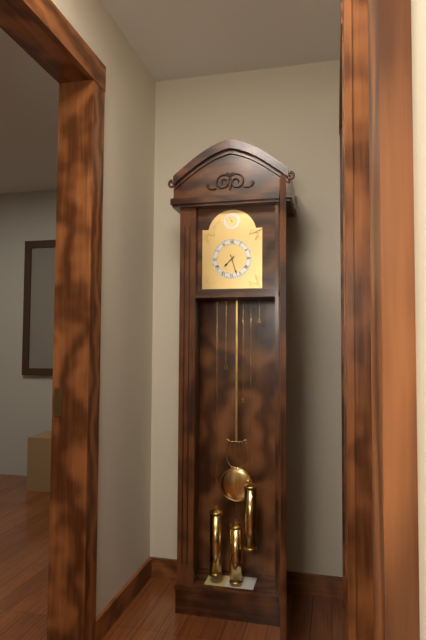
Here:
7,27
